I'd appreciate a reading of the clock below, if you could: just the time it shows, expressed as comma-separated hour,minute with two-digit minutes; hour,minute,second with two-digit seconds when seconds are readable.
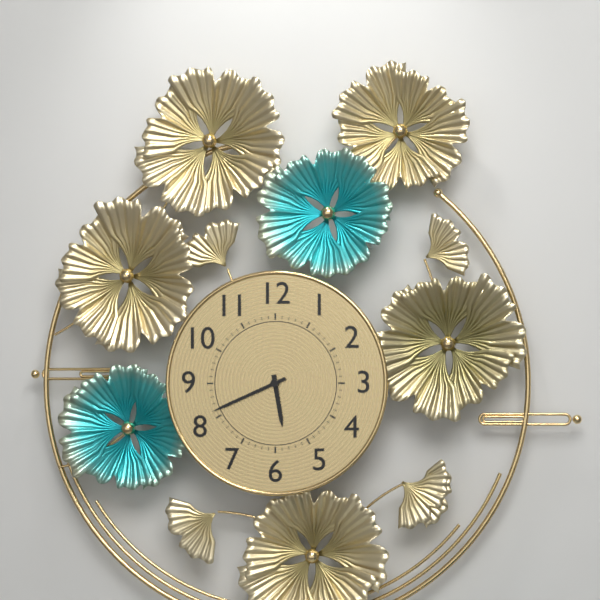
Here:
5,41
